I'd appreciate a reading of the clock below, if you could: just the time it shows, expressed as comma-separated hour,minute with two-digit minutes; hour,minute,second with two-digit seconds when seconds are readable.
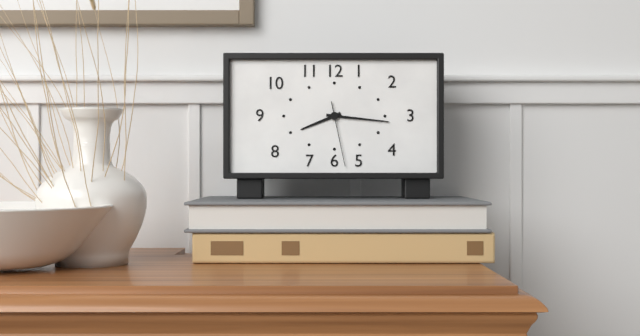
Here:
8,16,28
